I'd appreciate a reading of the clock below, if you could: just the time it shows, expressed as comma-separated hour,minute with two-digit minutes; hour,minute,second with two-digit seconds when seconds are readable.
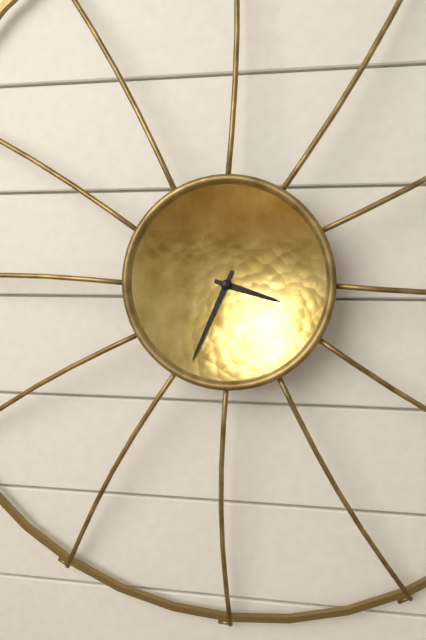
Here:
3,34
